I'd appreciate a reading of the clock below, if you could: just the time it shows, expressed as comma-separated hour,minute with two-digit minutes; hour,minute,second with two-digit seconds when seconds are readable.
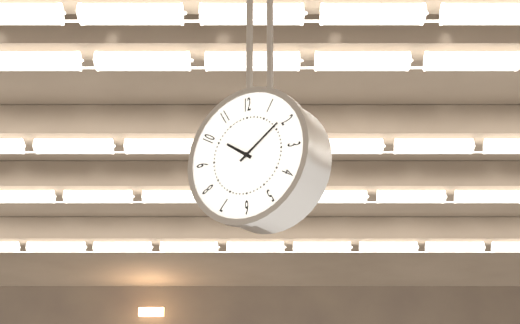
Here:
10,09
